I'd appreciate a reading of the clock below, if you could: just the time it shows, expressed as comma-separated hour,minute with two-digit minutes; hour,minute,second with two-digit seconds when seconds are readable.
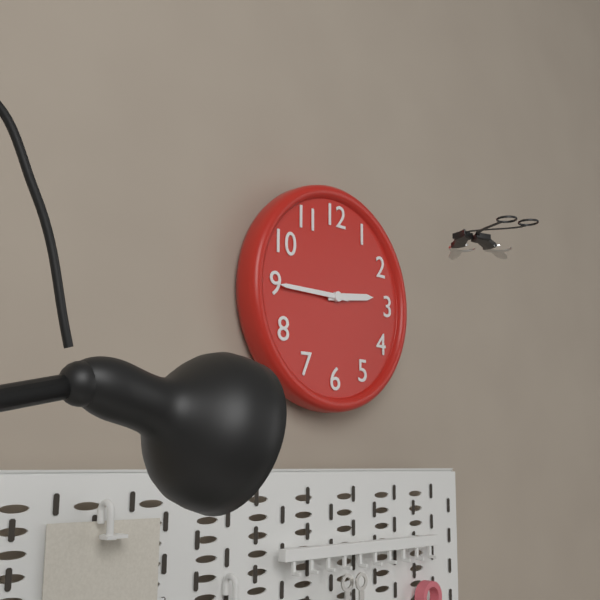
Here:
2,45
